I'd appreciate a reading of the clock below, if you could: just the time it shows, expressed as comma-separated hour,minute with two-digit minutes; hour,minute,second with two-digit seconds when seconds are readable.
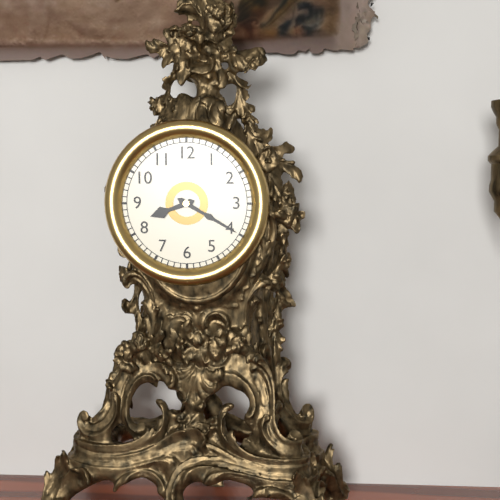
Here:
8,20
